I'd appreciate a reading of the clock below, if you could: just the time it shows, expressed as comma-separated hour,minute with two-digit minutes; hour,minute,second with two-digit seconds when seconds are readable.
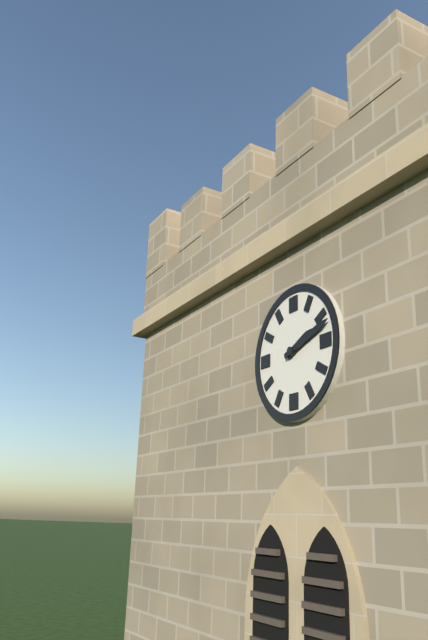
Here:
2,12
